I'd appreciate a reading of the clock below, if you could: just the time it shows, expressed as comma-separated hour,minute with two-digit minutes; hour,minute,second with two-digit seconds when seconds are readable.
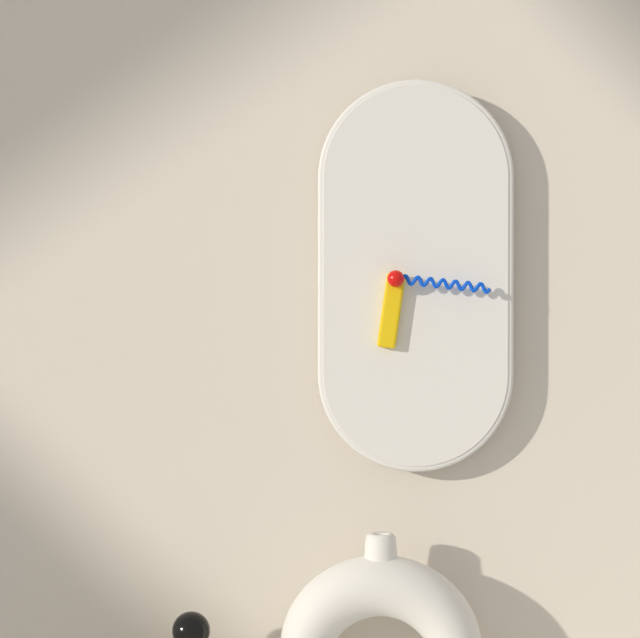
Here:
6,16
